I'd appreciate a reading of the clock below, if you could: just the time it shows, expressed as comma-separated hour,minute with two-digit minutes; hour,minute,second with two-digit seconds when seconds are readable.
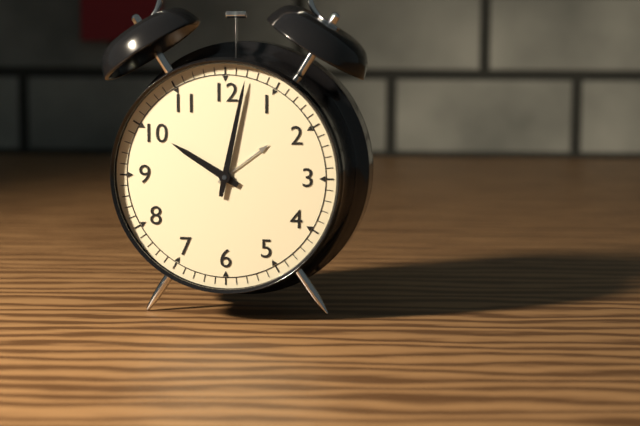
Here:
10,02
